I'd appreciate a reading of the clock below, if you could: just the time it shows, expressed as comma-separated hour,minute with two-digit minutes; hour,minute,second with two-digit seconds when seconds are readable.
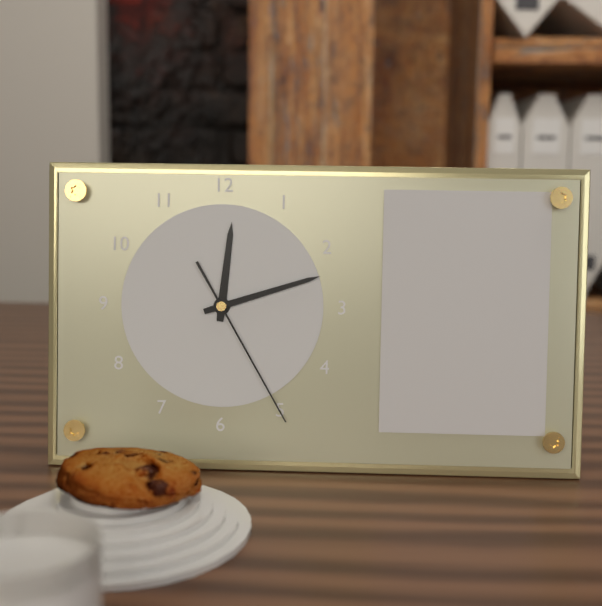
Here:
12,12,25
